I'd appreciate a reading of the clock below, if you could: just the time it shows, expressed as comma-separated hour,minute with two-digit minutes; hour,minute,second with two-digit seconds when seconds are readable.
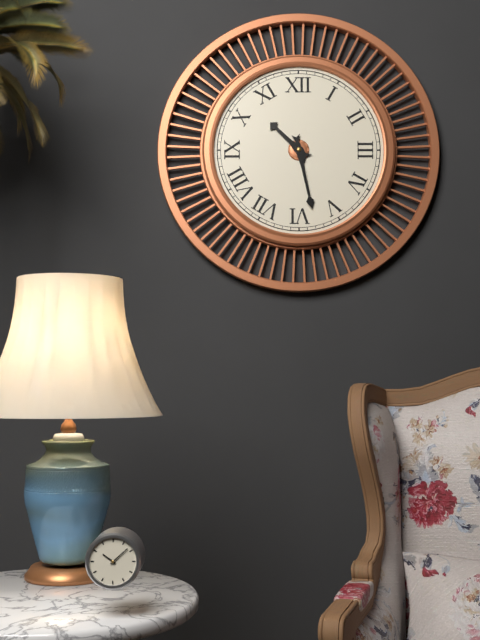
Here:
10,28
